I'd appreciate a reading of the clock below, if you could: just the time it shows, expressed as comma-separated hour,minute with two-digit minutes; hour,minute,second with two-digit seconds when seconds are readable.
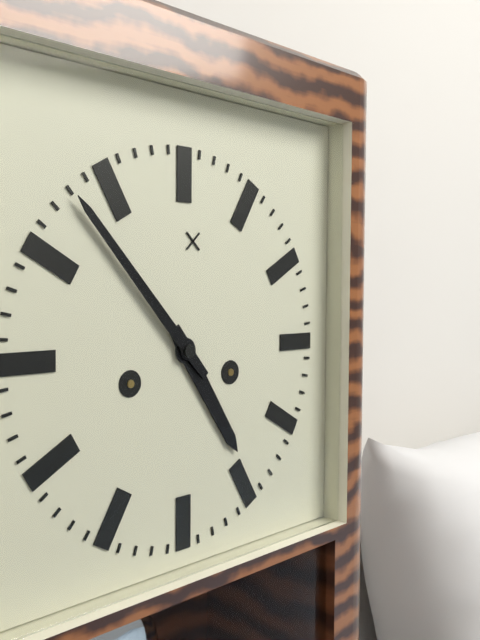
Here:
4,53
